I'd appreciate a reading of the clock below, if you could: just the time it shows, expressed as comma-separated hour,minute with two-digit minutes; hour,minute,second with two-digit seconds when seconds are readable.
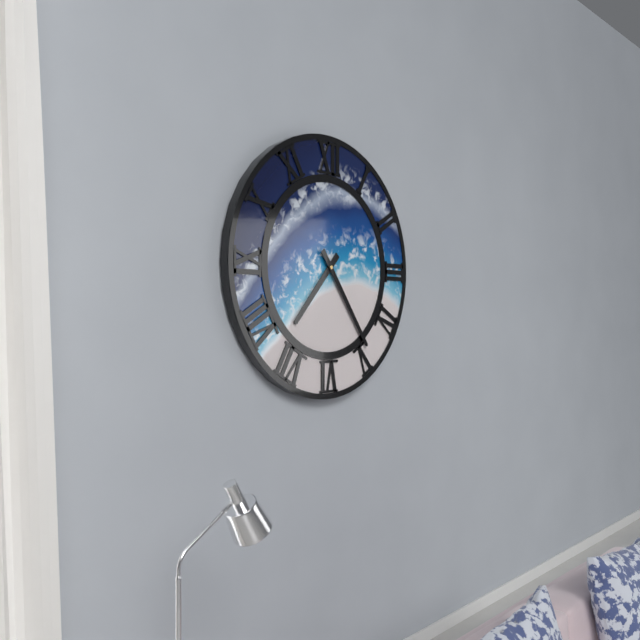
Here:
7,24
